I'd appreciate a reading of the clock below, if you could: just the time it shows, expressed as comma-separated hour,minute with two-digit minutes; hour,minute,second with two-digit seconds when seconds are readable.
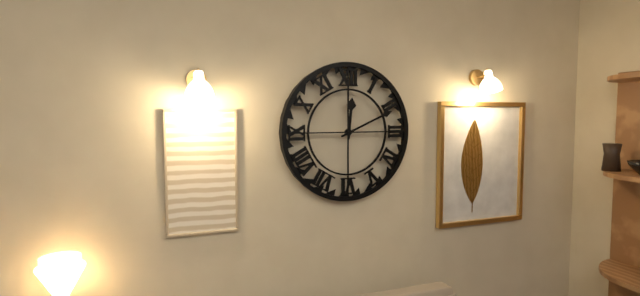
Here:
12,11
